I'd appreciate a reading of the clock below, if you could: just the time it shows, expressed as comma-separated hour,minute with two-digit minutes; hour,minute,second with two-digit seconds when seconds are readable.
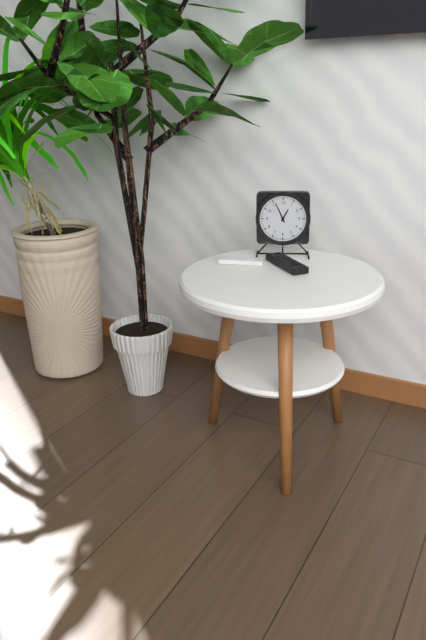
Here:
12,56
